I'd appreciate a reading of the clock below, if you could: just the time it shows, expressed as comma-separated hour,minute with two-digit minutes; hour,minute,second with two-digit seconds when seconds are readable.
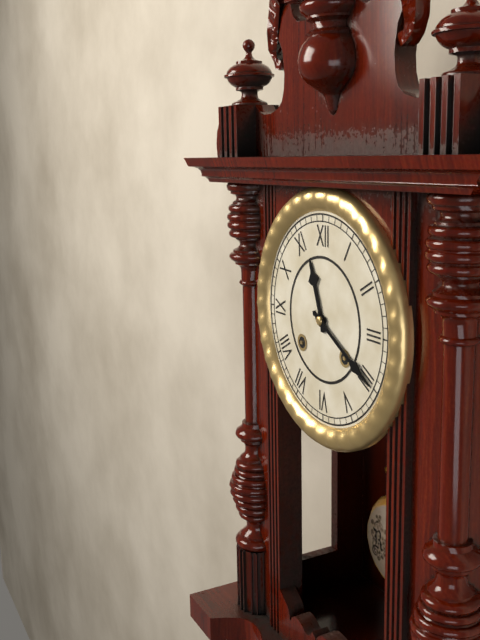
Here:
11,20
